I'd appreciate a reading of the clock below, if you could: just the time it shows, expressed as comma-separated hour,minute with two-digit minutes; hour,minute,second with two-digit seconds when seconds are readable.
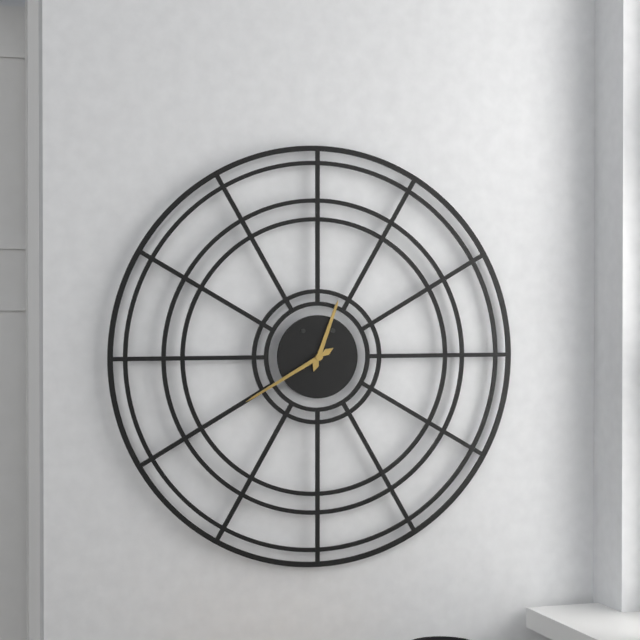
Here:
12,40
